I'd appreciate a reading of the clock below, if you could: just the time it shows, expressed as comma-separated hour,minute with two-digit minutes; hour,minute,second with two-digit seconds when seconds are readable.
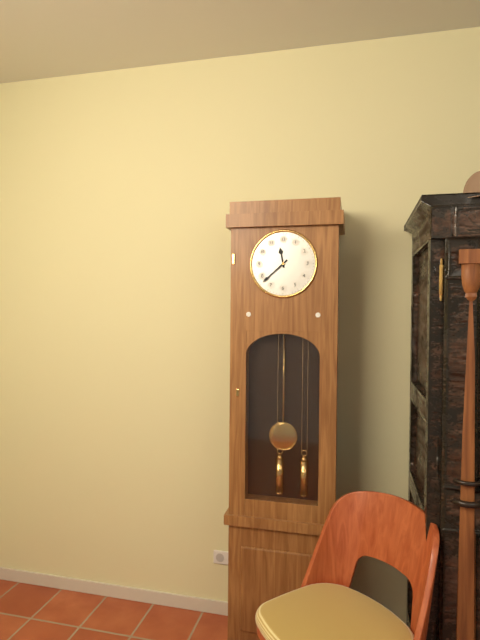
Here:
11,38
